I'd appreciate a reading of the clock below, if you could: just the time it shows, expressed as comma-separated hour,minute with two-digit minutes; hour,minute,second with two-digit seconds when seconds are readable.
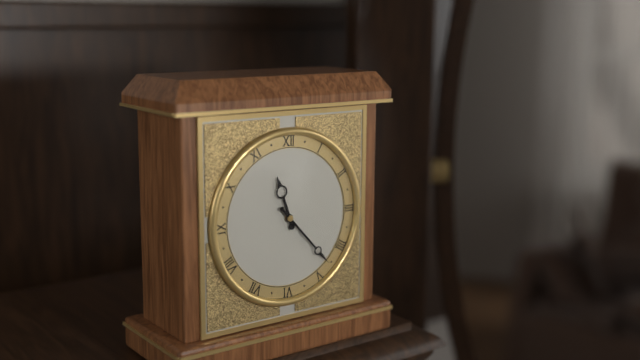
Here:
11,23
